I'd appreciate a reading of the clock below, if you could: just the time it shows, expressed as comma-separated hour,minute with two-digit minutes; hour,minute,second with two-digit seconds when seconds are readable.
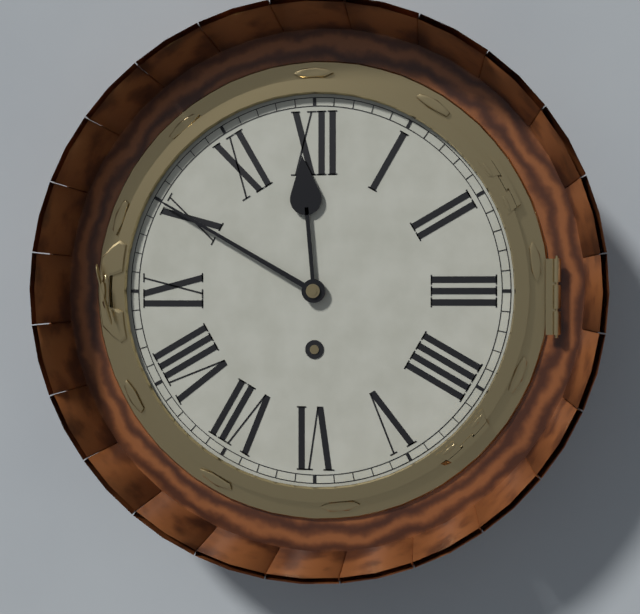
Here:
11,50
